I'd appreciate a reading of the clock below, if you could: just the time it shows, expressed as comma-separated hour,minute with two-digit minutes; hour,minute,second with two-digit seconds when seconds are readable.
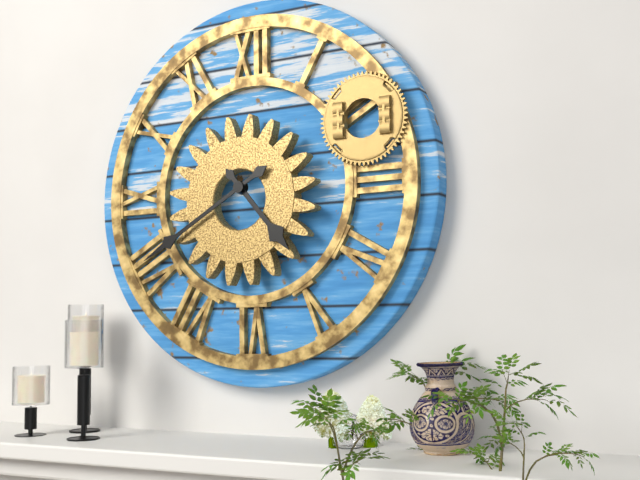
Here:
4,40
